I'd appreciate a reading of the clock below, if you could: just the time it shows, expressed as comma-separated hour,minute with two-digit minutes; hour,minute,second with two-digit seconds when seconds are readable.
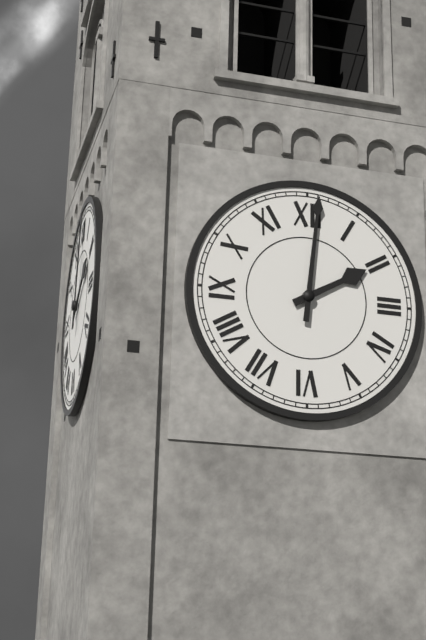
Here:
2,01
